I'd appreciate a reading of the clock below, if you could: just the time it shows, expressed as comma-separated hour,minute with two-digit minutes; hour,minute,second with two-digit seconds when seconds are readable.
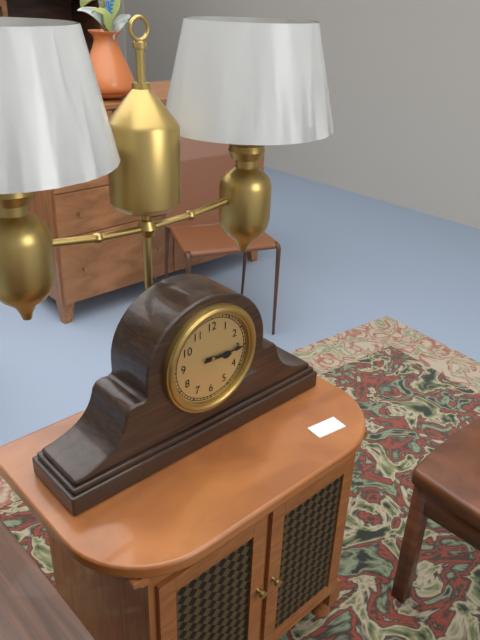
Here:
3,15
